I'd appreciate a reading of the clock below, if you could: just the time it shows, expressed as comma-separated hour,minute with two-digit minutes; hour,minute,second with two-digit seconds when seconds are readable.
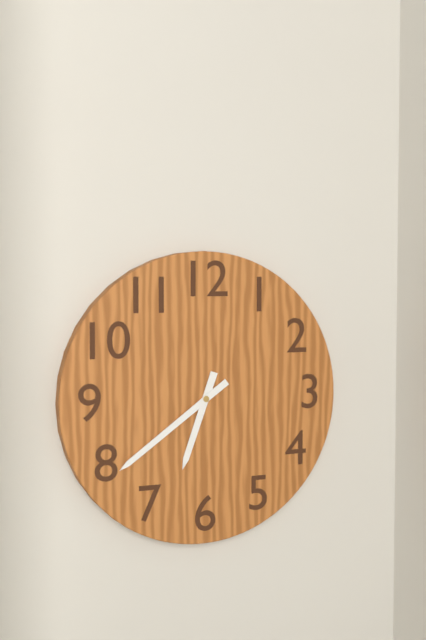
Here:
6,39
